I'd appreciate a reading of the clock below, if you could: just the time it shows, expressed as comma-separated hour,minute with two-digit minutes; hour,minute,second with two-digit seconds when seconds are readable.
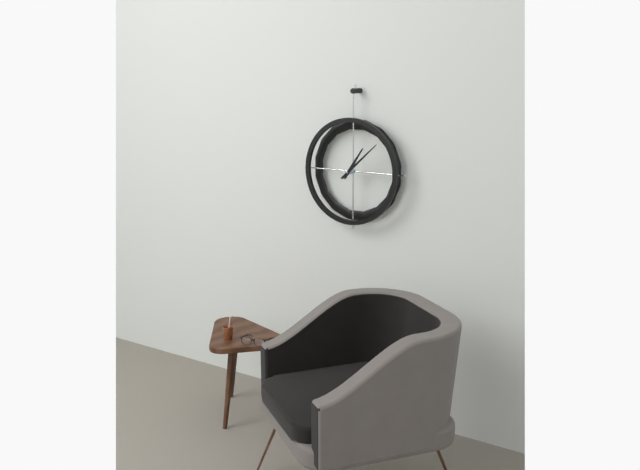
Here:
1,08
